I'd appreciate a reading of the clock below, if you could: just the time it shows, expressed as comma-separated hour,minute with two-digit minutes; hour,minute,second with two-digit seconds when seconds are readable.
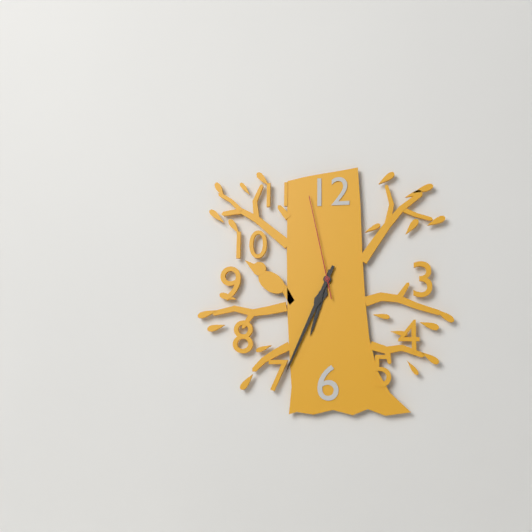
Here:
6,34,58
